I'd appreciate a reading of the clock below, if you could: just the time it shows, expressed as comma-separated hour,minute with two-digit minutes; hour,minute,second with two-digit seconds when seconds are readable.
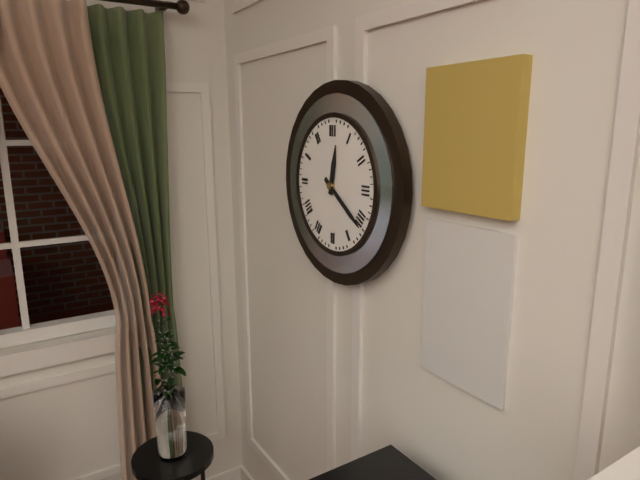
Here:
12,21
